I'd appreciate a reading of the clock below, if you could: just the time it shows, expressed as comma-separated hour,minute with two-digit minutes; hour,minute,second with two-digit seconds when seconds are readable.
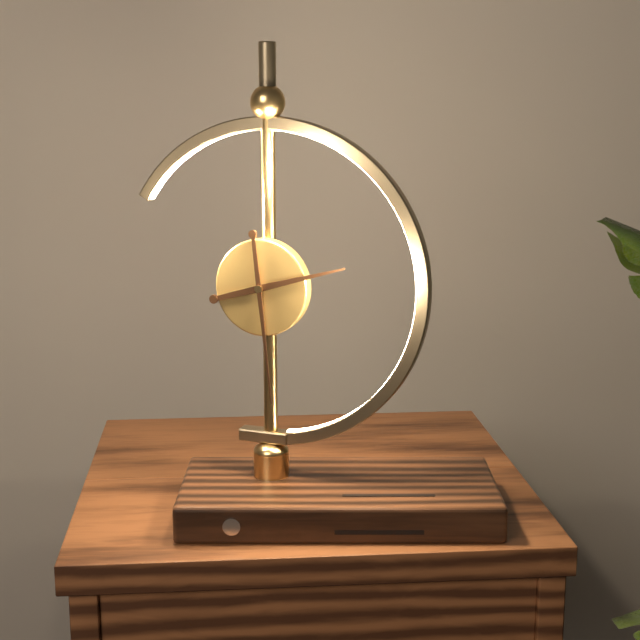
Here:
2,29
